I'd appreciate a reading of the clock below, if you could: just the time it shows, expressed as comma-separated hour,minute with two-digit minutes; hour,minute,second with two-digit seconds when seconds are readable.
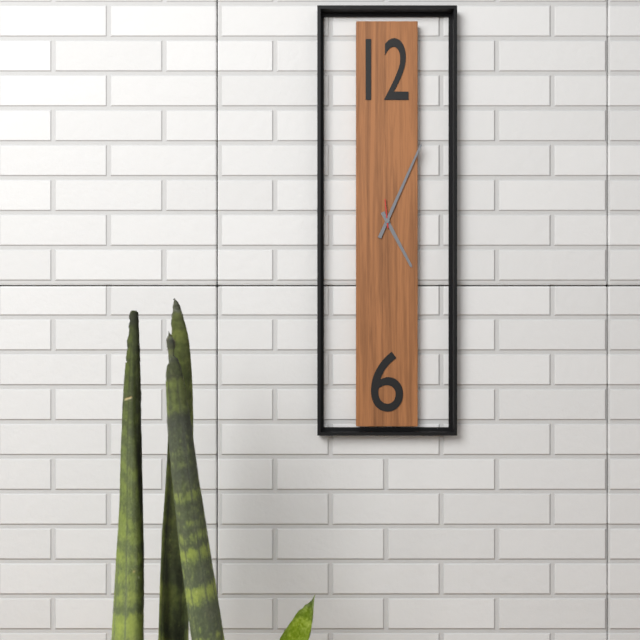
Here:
5,04
